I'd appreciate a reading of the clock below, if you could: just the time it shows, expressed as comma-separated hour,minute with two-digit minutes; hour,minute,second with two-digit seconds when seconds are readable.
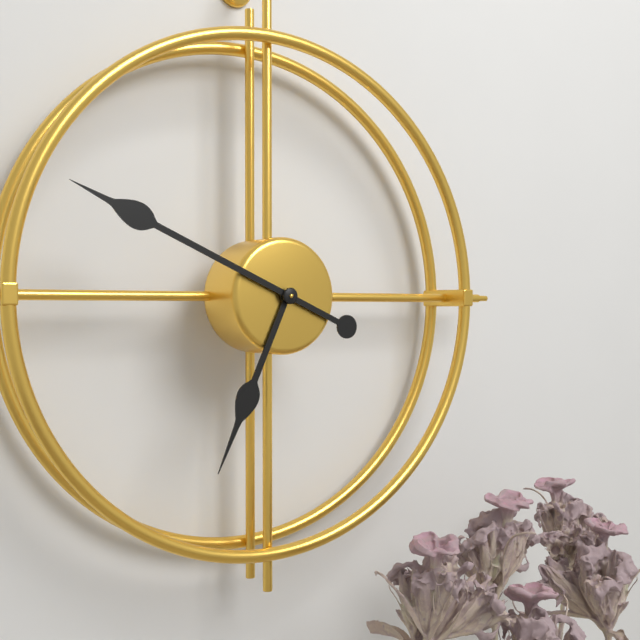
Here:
6,49
